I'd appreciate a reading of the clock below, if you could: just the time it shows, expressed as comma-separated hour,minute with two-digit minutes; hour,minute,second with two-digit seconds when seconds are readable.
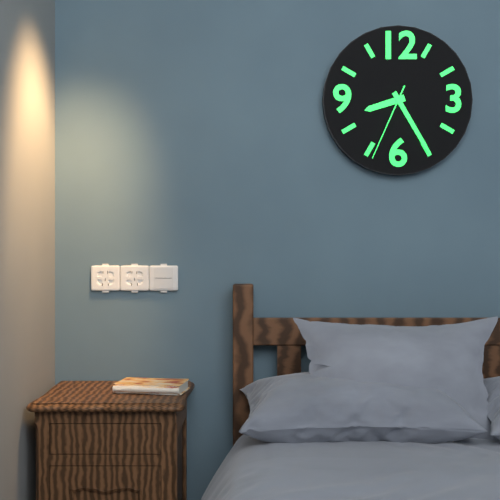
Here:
8,25,34
